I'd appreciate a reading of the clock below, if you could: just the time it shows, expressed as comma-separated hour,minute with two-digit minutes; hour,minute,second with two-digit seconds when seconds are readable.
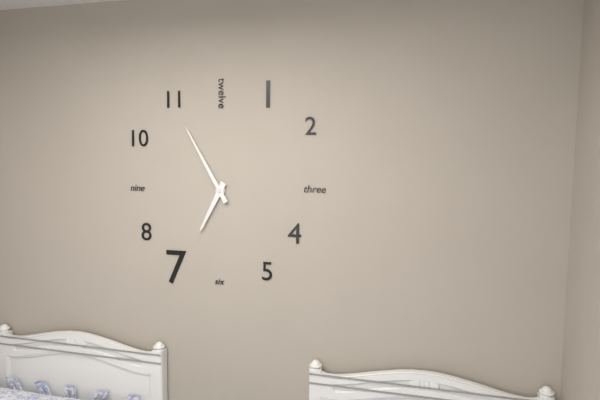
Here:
6,55
